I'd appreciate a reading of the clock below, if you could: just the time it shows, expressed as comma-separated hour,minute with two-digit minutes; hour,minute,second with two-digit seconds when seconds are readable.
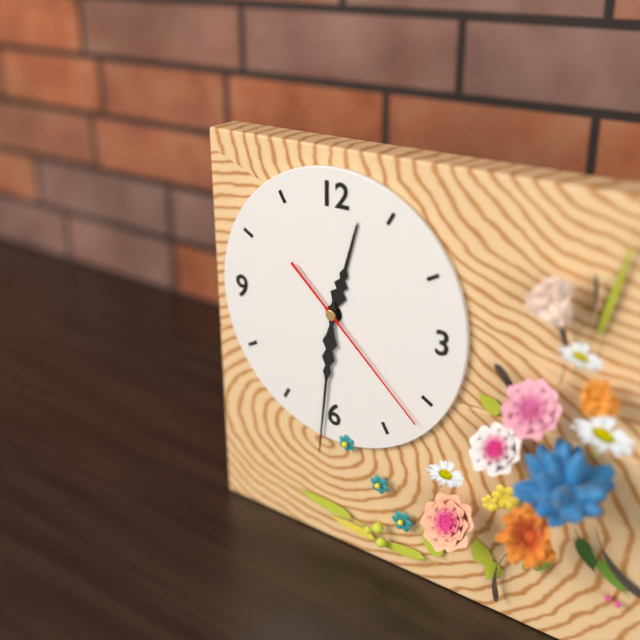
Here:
12,31,22
